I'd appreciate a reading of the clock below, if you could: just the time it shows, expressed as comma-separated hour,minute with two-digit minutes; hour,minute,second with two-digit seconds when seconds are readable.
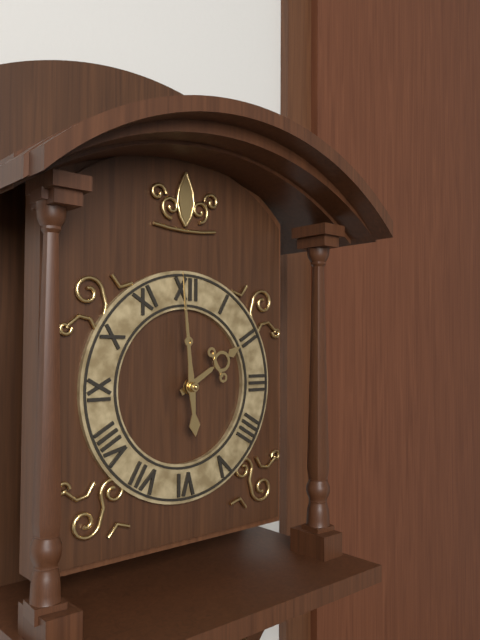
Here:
1,59
